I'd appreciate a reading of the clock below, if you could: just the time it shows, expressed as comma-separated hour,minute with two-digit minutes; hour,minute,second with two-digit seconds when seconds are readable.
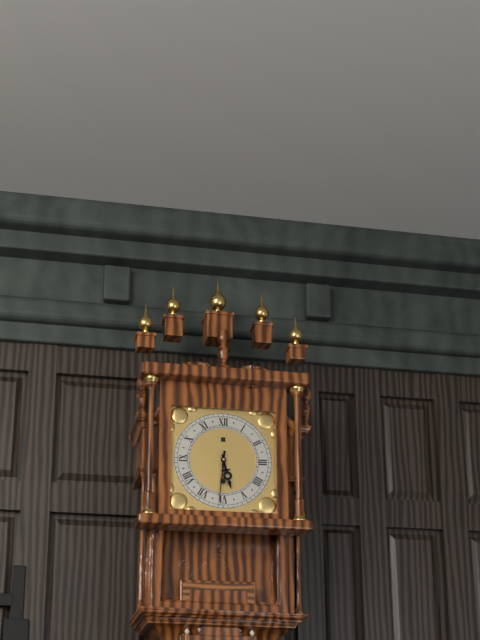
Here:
5,31
